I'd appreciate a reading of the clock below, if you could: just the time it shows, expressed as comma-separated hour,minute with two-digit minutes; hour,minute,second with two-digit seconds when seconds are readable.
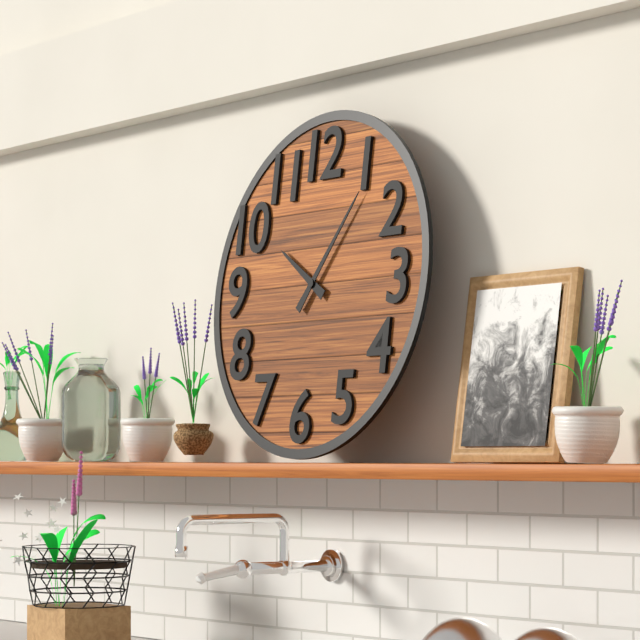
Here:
10,06
